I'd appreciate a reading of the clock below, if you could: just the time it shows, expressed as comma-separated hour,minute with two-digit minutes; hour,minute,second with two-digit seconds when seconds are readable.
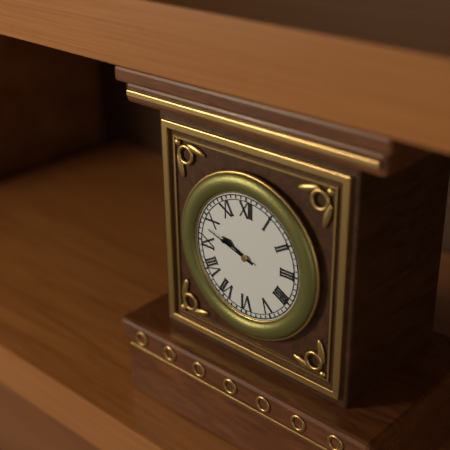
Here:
9,48
